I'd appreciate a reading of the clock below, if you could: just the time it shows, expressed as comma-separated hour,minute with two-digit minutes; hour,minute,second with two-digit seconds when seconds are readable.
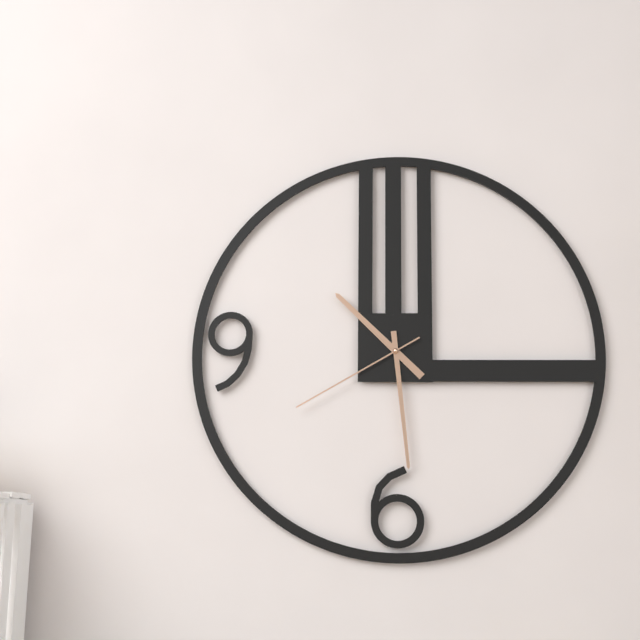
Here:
10,29,40
